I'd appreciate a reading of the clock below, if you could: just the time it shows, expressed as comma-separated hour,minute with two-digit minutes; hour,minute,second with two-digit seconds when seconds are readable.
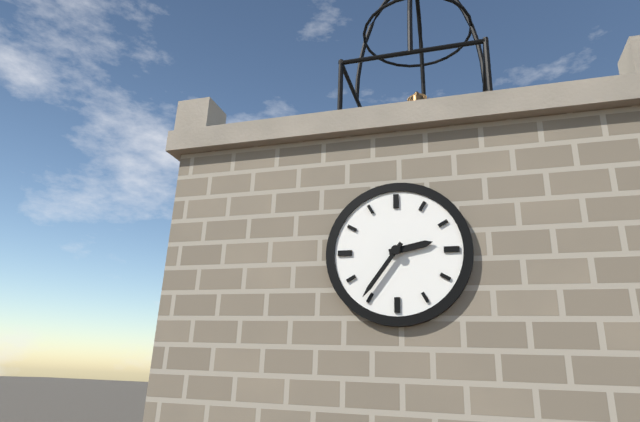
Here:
2,36
